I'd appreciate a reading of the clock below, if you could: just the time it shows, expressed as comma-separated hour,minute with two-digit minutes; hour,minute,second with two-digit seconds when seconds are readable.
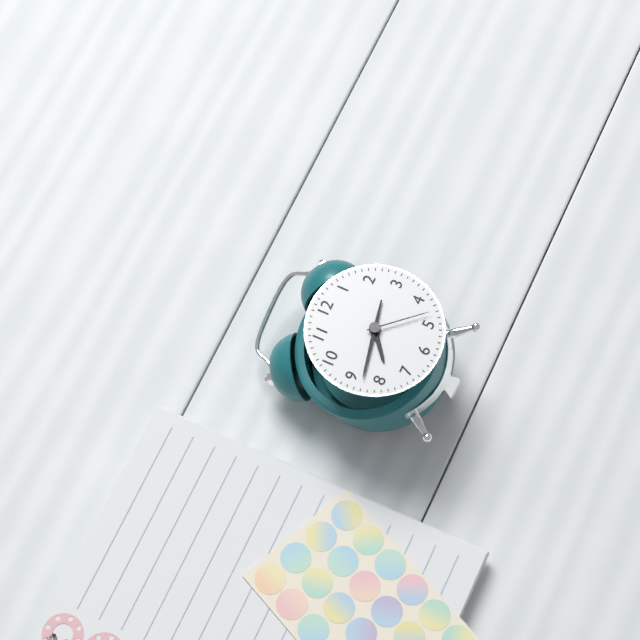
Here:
7,43,23
